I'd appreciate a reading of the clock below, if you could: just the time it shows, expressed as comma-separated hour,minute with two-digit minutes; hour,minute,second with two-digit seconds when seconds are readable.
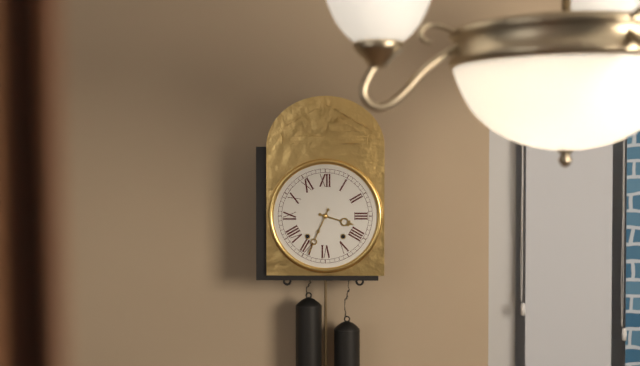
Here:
3,34
